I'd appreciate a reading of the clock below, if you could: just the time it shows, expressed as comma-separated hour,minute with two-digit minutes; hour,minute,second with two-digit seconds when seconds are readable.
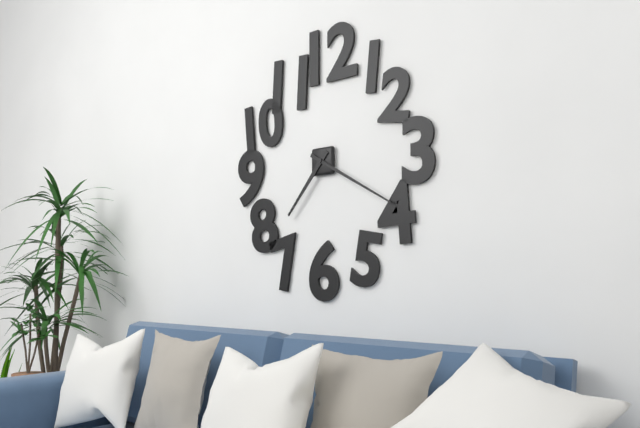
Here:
7,20
